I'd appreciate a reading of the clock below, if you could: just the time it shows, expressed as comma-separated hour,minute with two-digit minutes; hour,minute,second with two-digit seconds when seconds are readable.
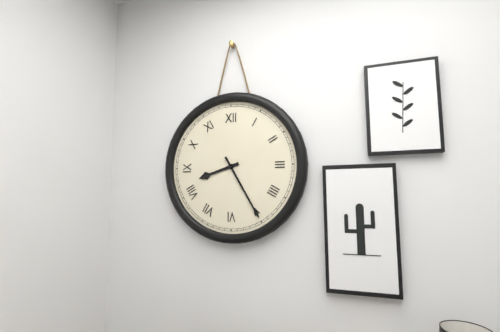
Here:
8,25
